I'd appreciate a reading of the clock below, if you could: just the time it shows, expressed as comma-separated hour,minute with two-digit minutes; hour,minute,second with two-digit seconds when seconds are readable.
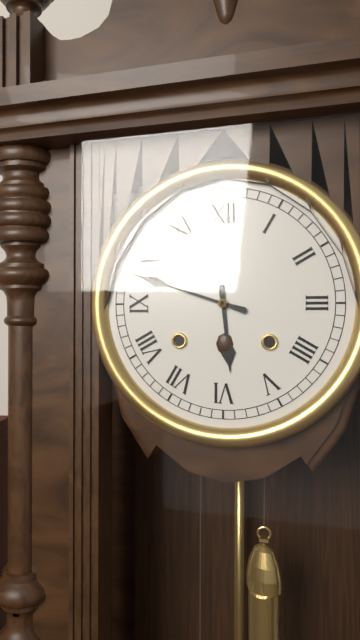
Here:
5,48
